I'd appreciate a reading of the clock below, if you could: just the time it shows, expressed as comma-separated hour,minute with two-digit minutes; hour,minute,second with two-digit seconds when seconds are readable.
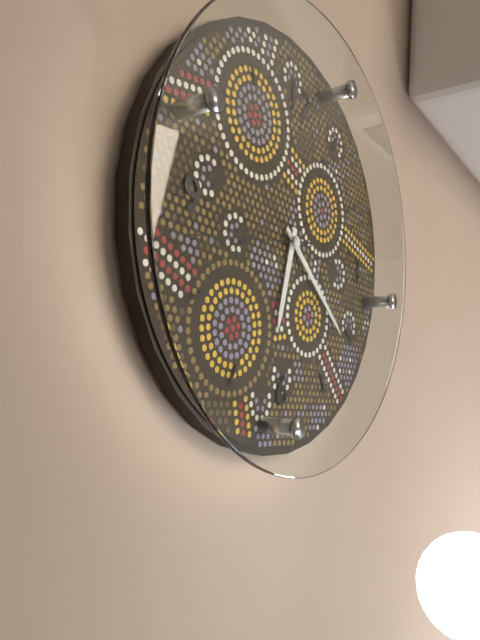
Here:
6,21,43
